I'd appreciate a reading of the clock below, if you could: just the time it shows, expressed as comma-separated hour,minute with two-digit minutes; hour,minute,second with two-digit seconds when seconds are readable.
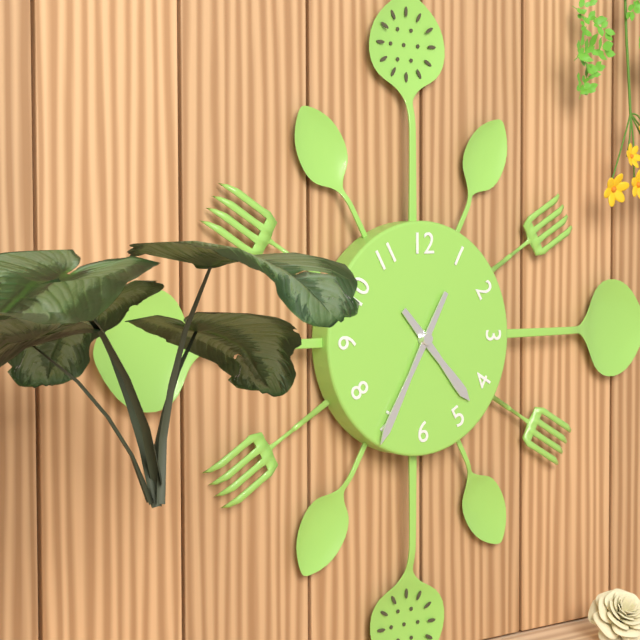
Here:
4,35
